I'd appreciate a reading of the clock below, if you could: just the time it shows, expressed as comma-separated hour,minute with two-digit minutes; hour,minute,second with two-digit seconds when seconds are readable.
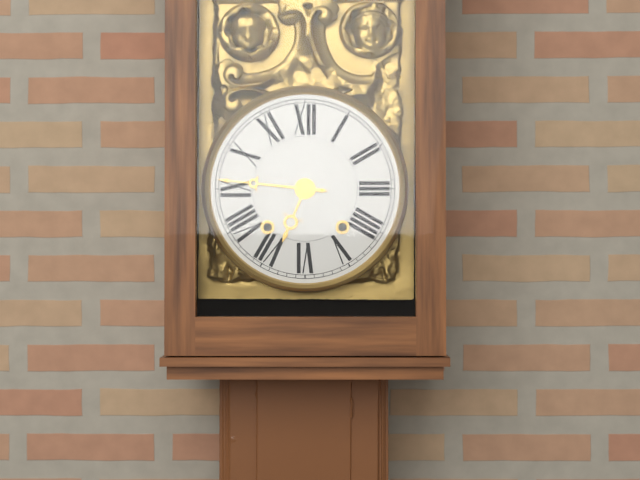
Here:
6,46
